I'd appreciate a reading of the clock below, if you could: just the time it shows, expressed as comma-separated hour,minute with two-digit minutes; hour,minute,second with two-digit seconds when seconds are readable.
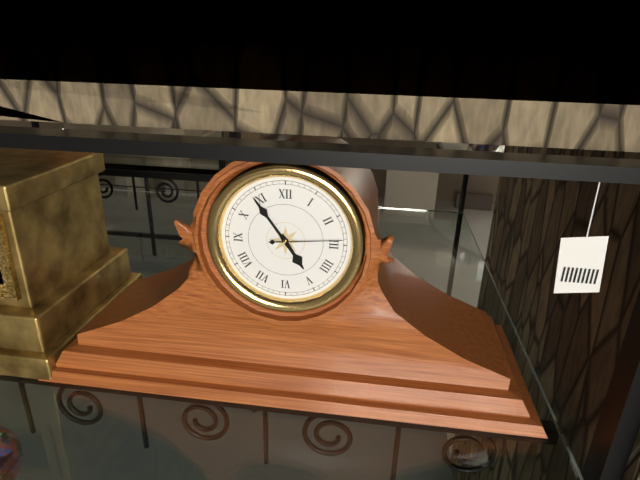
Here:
4,54,14
